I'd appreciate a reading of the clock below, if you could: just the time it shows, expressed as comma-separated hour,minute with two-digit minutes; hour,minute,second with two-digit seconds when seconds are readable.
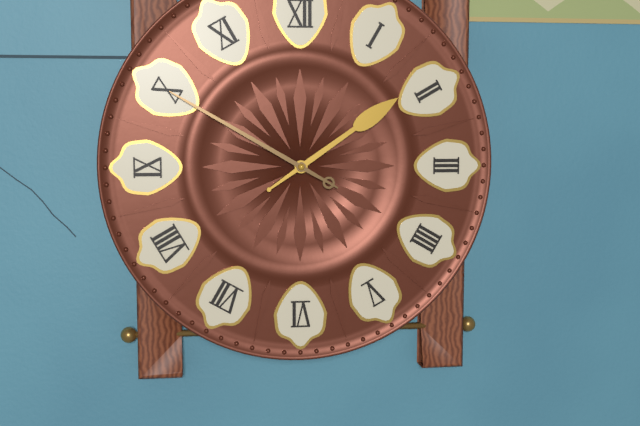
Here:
1,50
